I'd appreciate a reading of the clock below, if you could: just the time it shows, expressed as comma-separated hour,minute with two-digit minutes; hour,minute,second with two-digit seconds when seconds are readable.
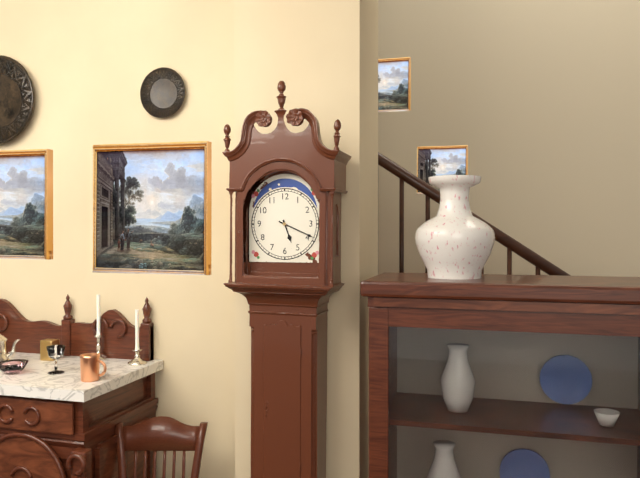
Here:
5,19
